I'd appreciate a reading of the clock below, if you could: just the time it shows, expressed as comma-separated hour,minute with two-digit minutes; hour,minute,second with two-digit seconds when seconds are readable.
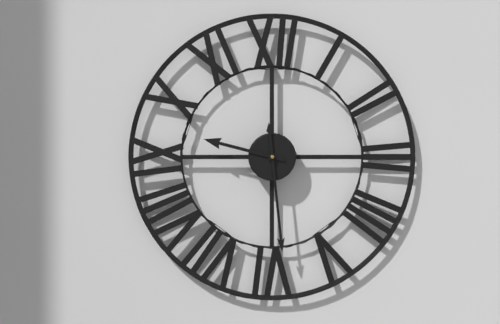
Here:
9,29
